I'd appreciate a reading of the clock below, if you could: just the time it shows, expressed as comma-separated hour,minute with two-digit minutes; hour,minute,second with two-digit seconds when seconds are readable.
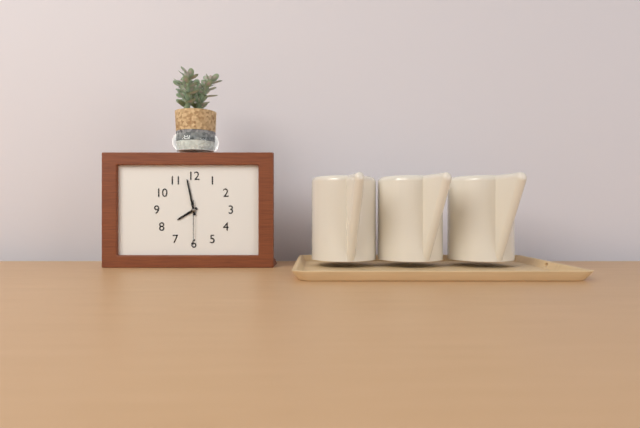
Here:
7,58
